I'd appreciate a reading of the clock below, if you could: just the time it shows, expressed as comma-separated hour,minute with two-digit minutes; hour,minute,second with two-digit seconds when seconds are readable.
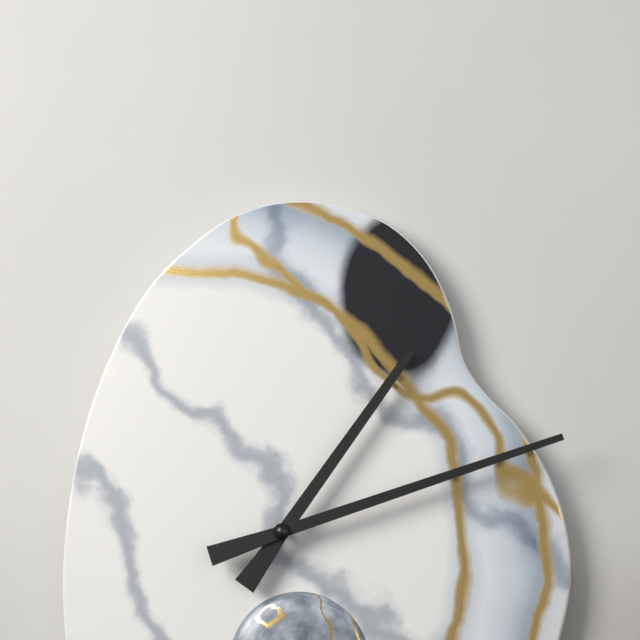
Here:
1,12
